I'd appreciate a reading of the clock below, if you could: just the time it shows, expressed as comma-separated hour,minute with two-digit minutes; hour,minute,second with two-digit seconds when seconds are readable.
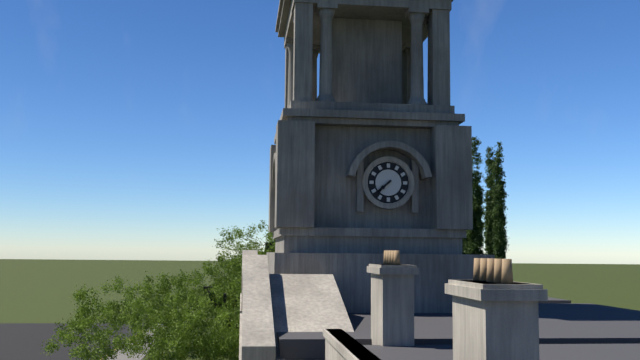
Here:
7,38
